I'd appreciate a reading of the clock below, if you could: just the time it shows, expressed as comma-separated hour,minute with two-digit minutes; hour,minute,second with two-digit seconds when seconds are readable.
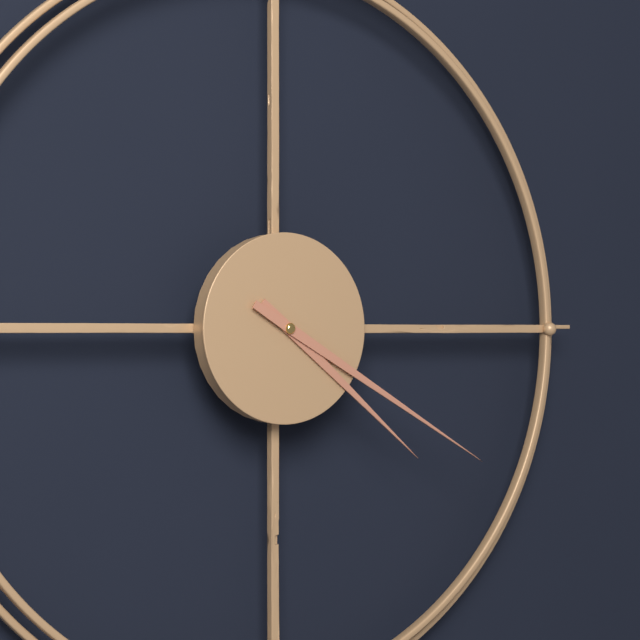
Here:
4,20
